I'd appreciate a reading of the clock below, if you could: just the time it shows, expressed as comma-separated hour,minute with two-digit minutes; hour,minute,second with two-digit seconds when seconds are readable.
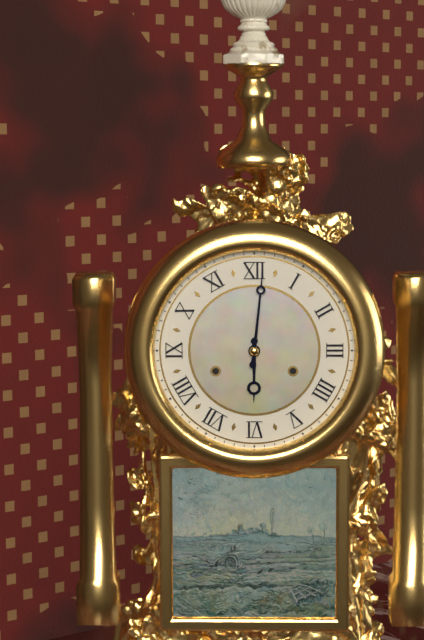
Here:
6,01
